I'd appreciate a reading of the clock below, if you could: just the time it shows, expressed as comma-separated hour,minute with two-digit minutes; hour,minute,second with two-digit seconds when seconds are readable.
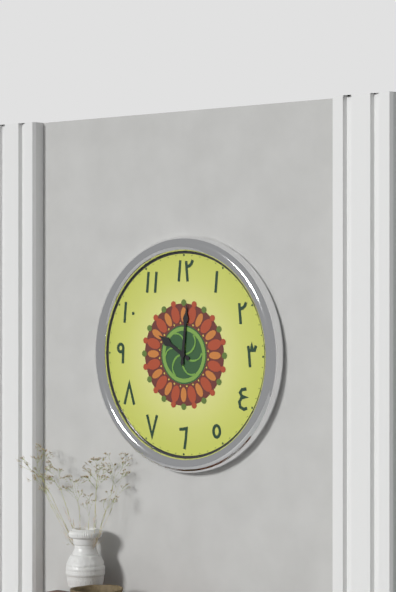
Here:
10,01
